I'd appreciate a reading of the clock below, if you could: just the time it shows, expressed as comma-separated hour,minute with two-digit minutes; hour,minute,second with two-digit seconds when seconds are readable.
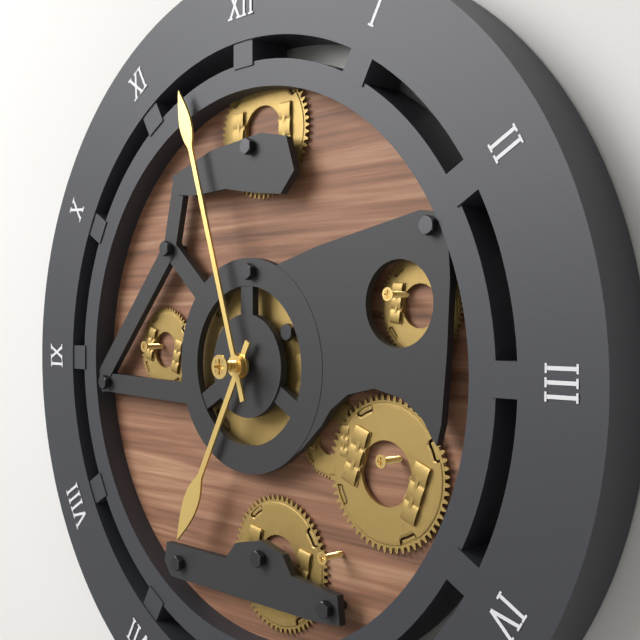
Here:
6,57
